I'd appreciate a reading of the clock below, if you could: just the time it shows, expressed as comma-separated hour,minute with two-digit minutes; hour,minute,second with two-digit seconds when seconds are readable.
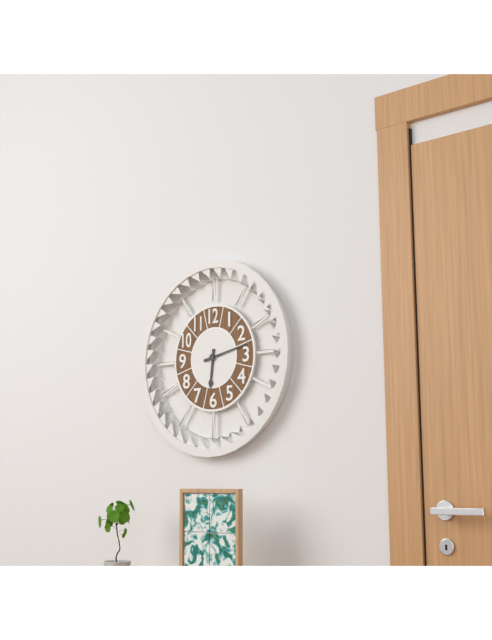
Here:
6,13
